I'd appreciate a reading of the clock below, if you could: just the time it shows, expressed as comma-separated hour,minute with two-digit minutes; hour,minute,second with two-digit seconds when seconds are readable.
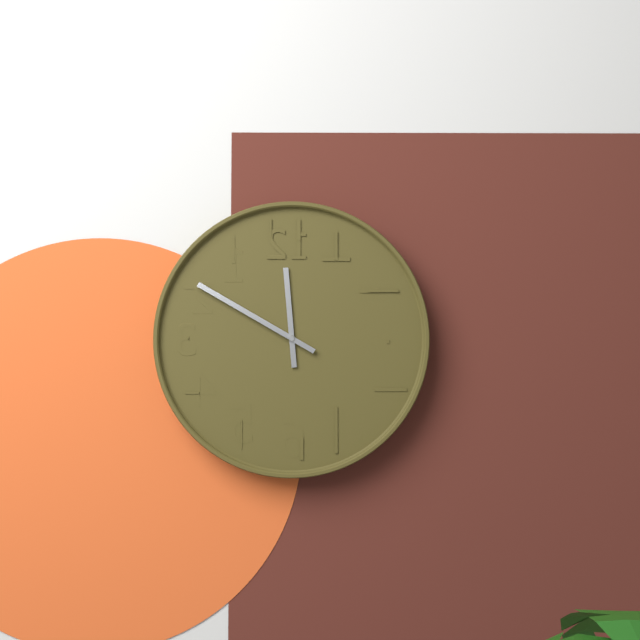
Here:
11,50
